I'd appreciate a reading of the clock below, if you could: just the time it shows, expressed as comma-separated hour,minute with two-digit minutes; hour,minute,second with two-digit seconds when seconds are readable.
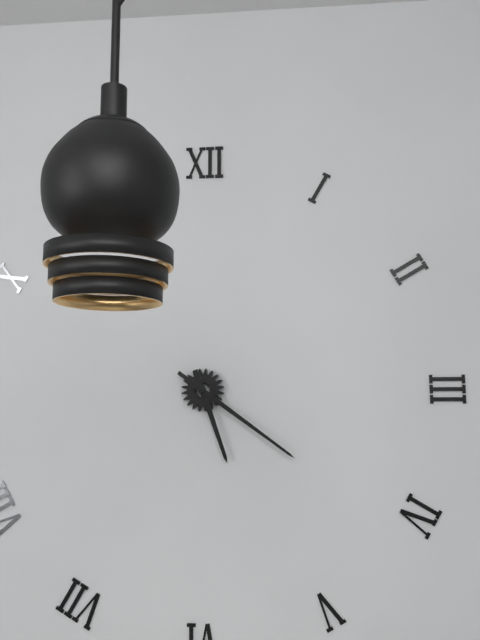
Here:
5,21
